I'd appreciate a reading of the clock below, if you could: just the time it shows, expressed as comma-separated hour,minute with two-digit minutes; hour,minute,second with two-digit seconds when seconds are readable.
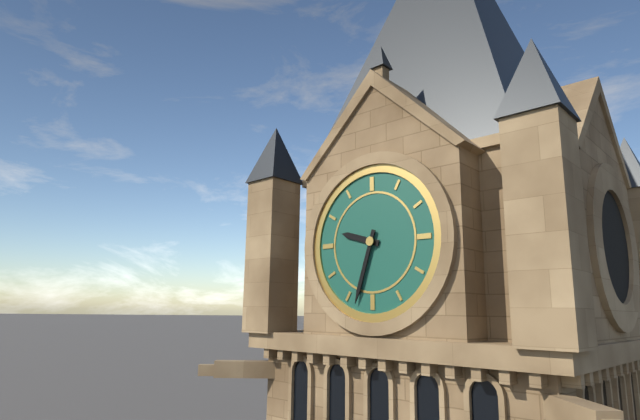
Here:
9,33
